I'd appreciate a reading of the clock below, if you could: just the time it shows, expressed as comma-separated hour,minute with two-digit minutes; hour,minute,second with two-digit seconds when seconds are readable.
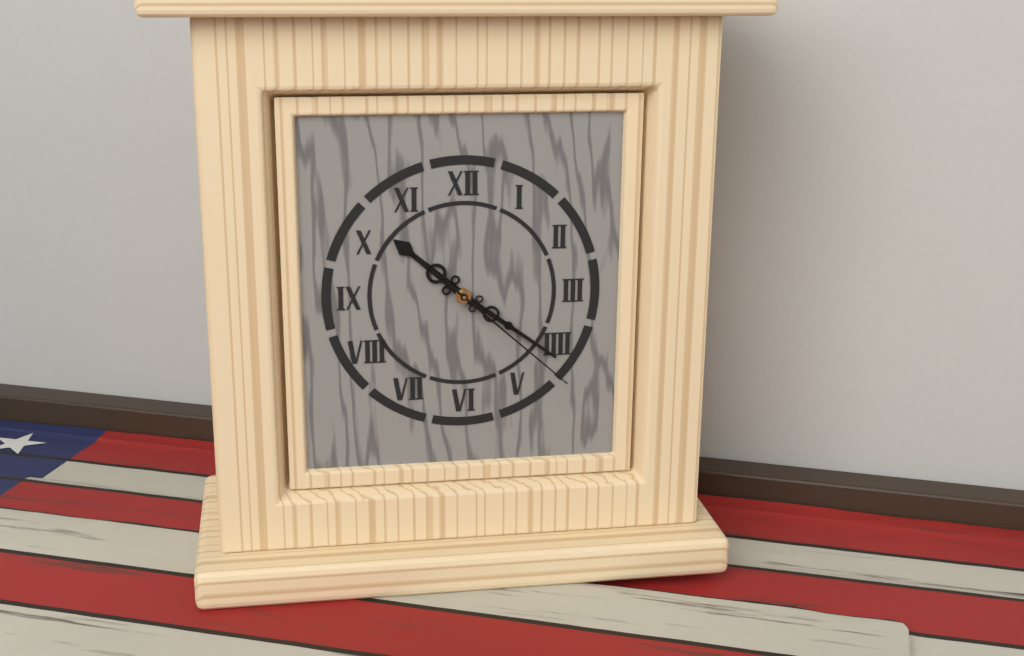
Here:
10,21,22
